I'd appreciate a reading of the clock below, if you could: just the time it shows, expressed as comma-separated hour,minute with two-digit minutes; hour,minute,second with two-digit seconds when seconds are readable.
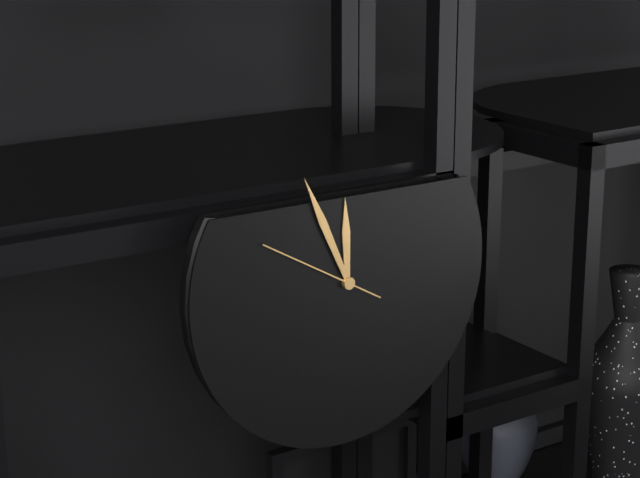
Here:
11,56,50
